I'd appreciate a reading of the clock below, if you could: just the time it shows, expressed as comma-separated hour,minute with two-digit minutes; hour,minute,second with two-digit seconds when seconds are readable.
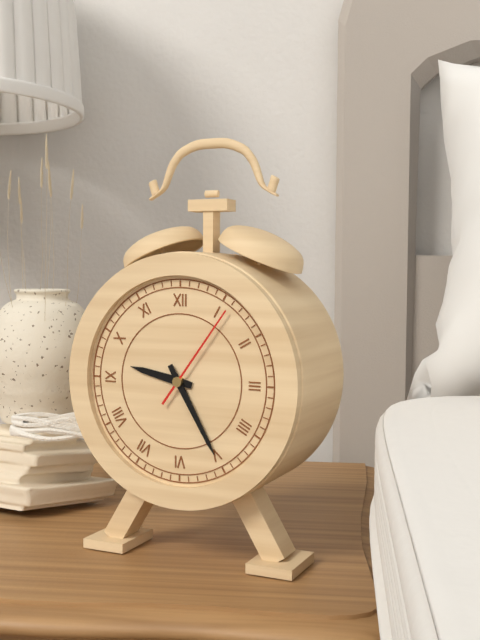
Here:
9,25,06
